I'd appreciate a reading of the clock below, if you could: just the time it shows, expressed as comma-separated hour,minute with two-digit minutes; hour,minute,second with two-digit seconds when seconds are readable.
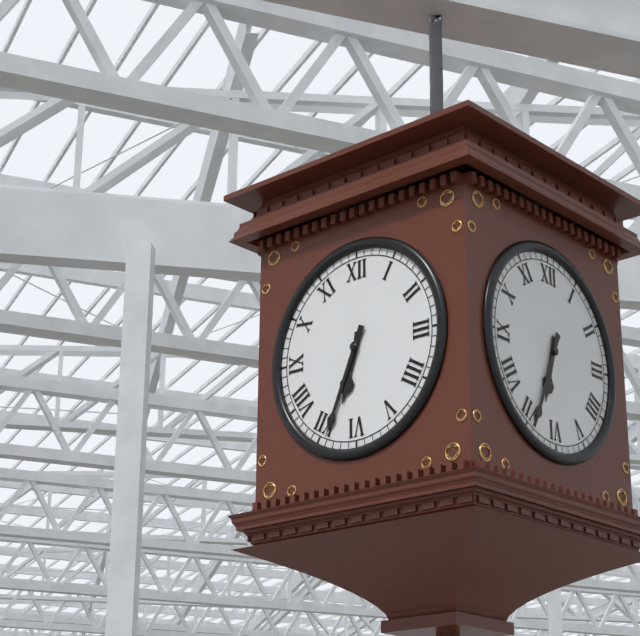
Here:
6,34
